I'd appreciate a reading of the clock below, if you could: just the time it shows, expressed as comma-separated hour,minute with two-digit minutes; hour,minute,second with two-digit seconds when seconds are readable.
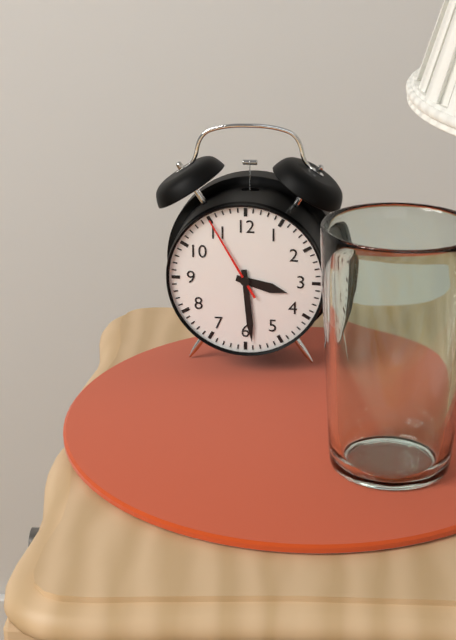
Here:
3,29,55
